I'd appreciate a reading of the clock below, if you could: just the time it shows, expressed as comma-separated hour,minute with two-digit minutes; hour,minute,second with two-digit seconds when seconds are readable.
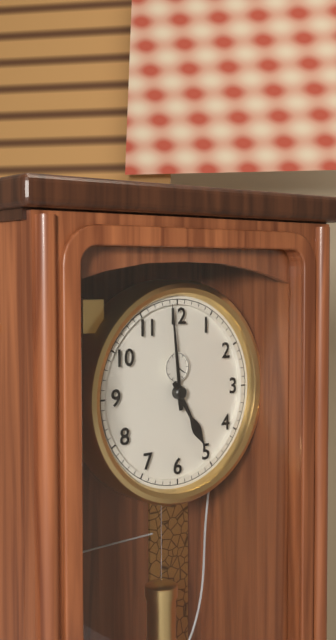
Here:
4,59
